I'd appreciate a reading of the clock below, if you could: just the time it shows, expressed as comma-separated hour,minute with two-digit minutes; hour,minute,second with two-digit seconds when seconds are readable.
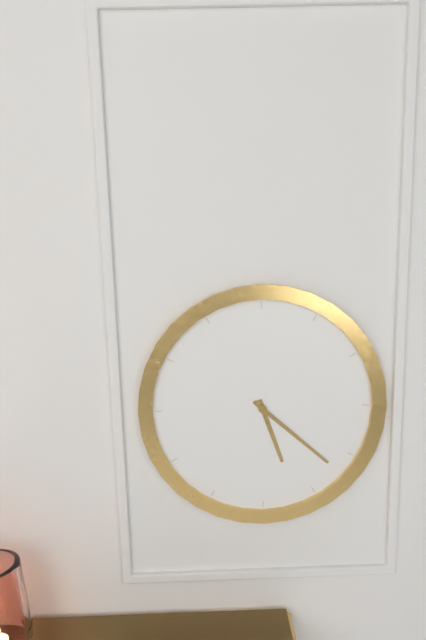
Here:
5,22
